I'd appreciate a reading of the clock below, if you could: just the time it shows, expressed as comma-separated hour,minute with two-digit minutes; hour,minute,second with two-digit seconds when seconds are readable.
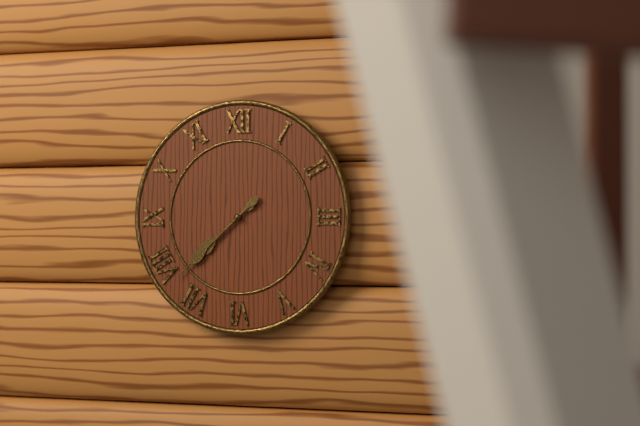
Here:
7,38
